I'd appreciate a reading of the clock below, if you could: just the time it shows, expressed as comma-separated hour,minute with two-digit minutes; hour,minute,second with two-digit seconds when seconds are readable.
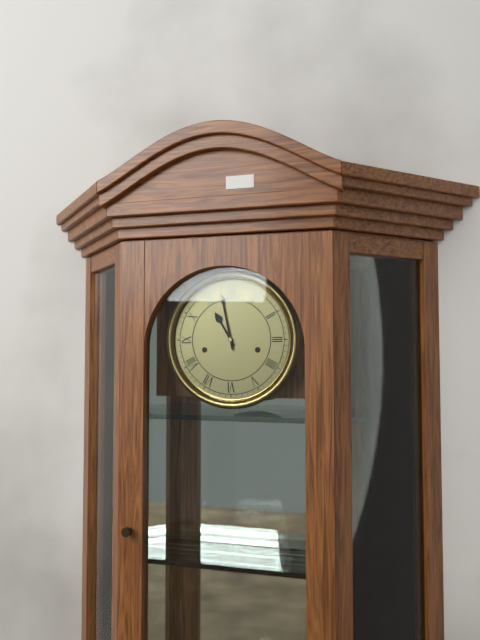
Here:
10,58
